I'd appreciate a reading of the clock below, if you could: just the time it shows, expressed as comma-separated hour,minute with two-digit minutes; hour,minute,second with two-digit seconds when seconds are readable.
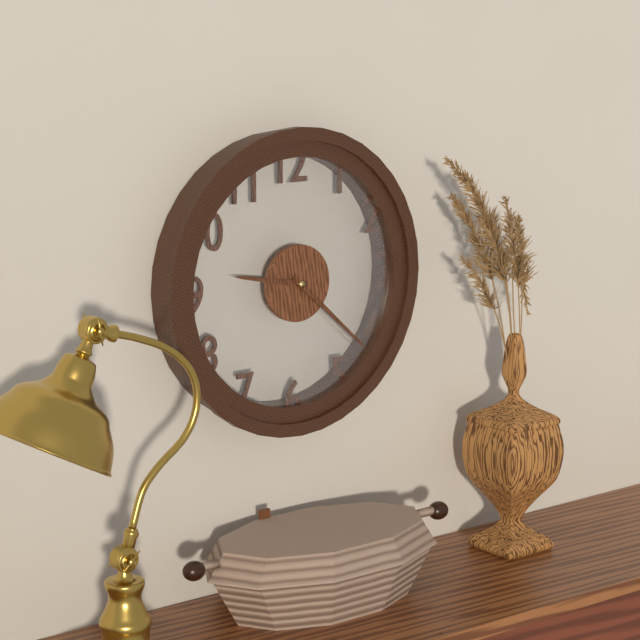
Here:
9,22
